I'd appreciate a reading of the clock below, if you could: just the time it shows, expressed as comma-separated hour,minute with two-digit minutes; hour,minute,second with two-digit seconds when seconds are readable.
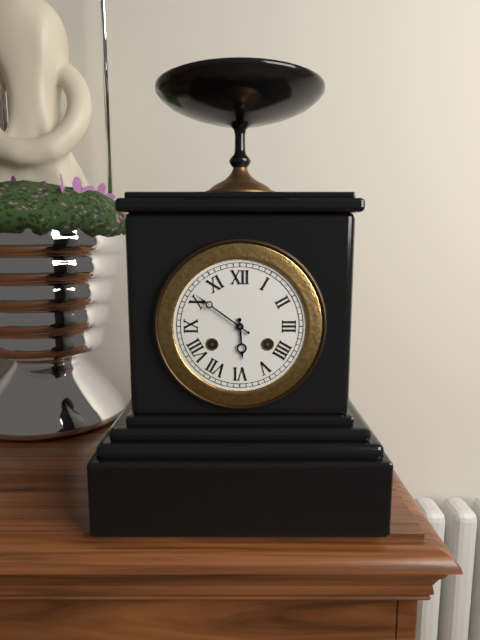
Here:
5,51
